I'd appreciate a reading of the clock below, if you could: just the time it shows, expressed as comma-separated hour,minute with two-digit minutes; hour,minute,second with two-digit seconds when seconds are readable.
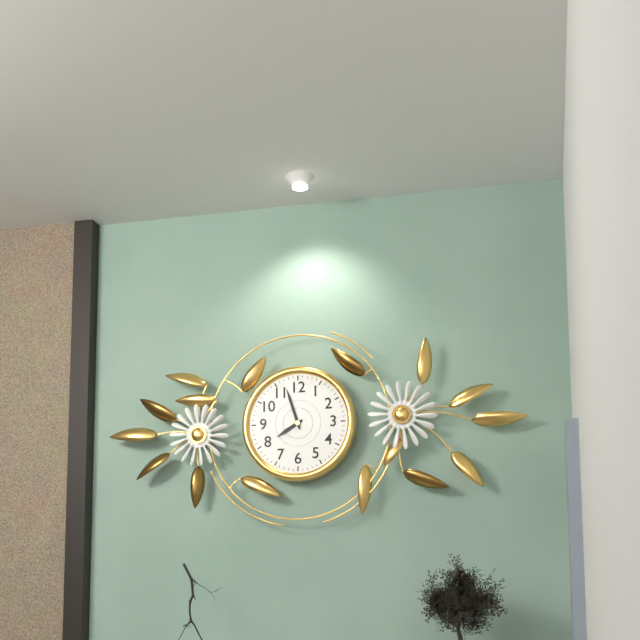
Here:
7,57
